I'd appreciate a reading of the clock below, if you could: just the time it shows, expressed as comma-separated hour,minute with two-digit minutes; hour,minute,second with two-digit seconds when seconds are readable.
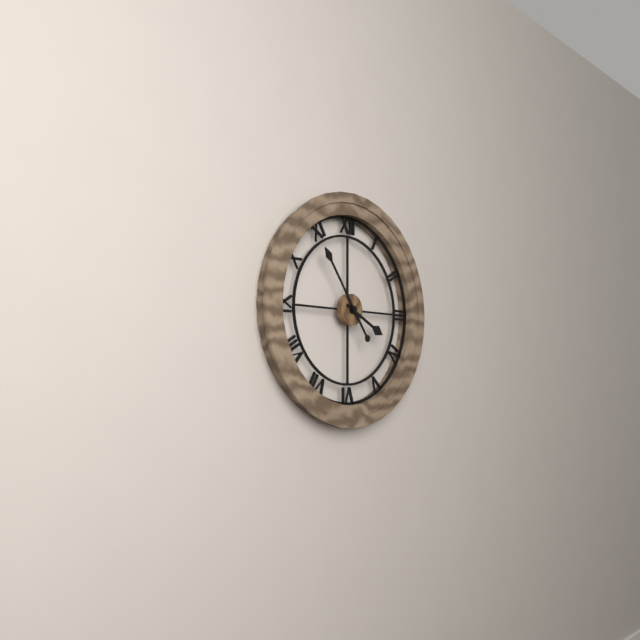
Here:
3,54
